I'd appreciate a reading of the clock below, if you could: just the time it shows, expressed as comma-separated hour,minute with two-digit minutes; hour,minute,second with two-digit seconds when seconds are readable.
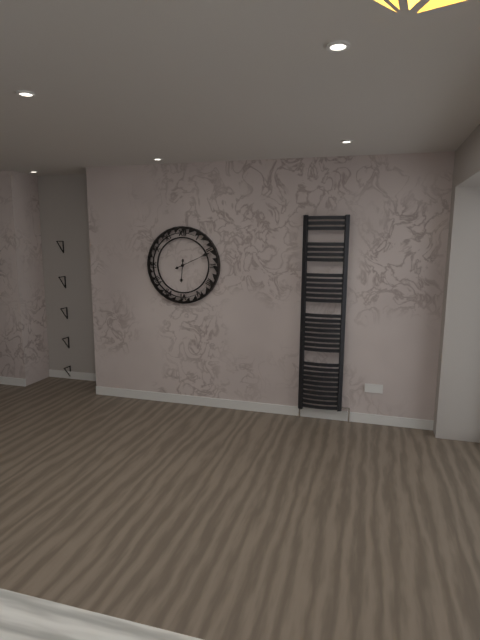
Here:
6,11
